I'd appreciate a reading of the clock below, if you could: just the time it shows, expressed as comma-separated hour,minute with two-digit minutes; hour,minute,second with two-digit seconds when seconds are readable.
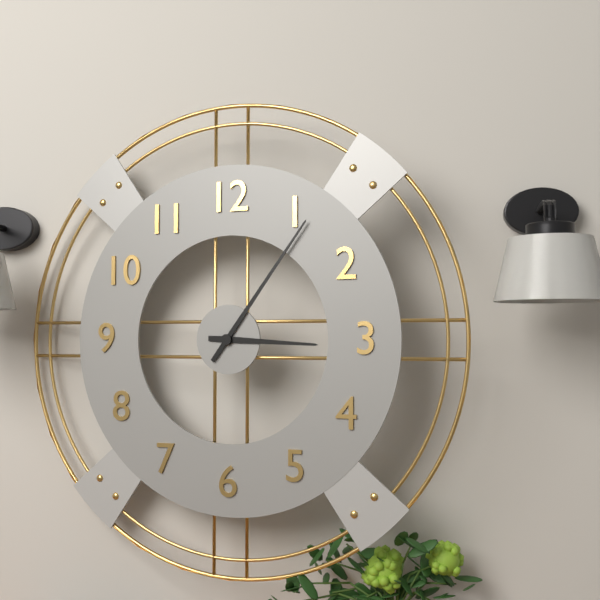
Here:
3,06
